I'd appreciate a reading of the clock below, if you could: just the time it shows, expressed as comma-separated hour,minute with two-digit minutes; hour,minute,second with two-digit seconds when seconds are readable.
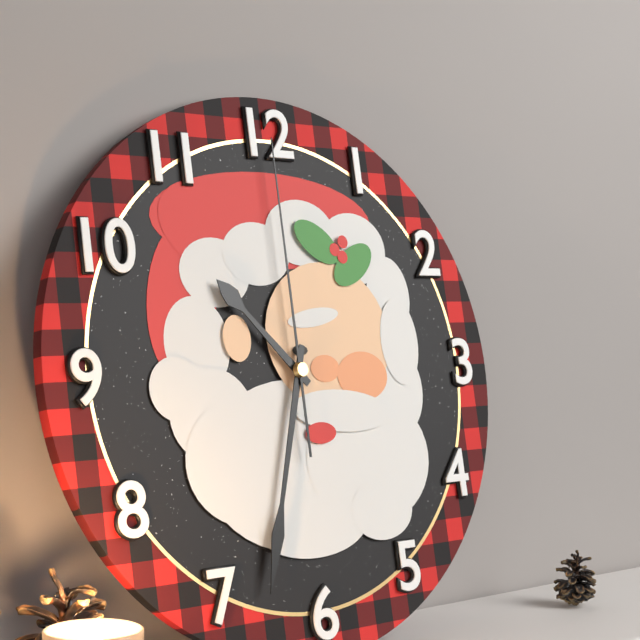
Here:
10,33,00
